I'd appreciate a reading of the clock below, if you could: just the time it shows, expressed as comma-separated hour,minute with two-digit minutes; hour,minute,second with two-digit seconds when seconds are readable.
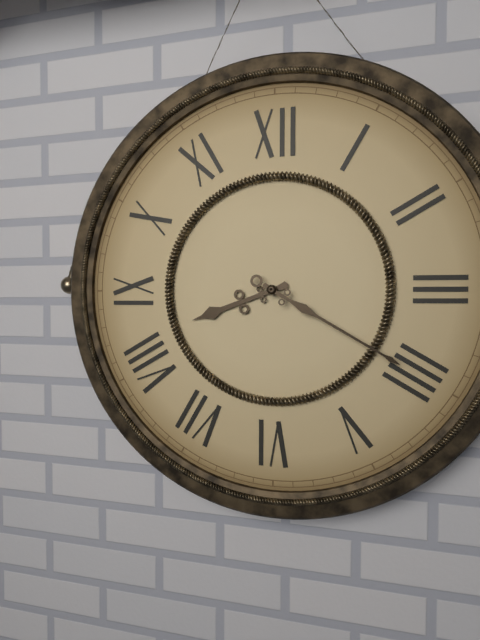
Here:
8,20
